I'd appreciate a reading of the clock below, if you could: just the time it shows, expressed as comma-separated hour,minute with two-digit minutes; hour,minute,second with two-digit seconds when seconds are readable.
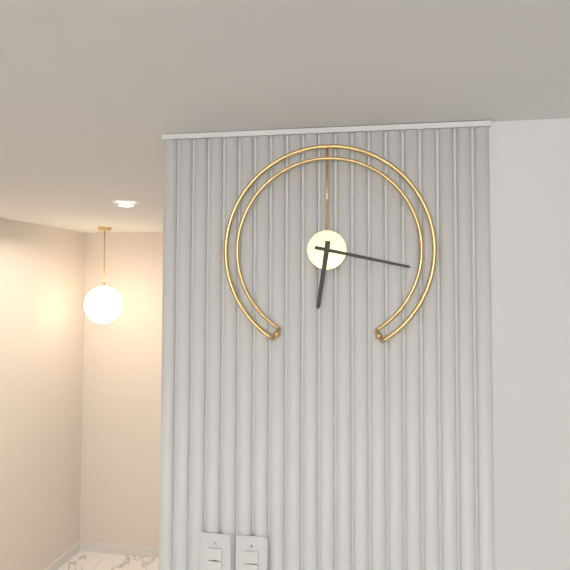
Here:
6,17
